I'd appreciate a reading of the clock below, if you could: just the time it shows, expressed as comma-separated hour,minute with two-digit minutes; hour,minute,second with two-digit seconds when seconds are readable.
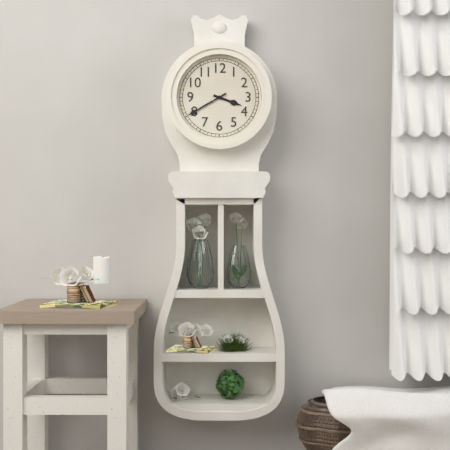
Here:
3,40
